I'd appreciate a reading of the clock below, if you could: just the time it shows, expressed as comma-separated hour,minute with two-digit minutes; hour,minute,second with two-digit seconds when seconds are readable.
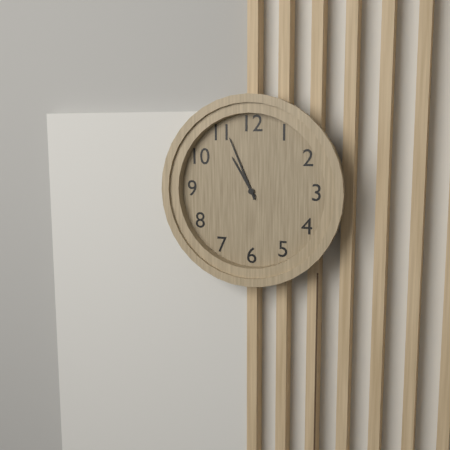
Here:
10,56
